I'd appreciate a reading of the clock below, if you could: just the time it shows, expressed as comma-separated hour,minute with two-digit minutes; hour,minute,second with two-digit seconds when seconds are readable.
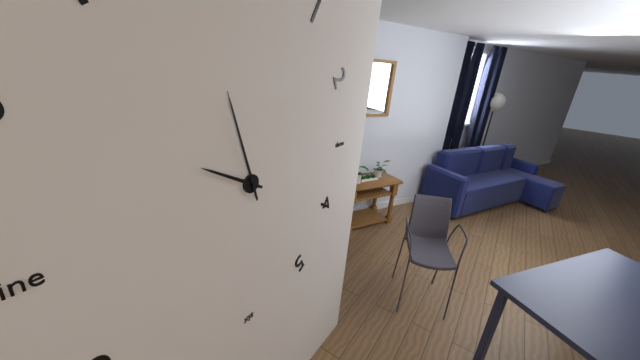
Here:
9,57
